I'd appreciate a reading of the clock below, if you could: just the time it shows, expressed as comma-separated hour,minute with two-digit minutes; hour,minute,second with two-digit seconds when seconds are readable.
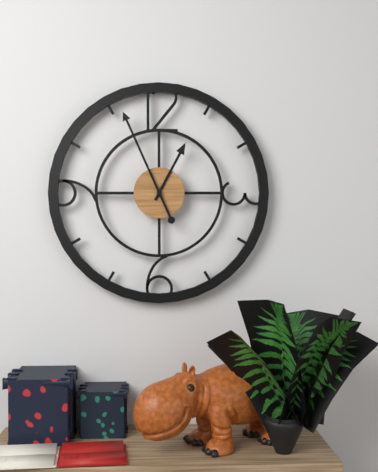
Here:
12,56
